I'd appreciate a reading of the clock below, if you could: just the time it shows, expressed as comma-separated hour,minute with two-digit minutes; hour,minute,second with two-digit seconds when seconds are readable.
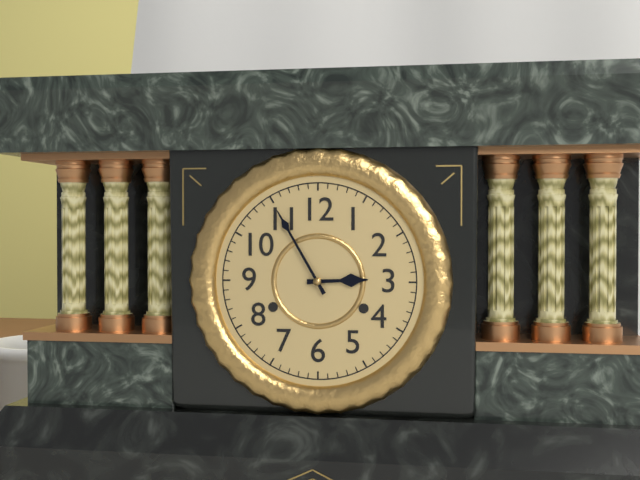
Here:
2,55
